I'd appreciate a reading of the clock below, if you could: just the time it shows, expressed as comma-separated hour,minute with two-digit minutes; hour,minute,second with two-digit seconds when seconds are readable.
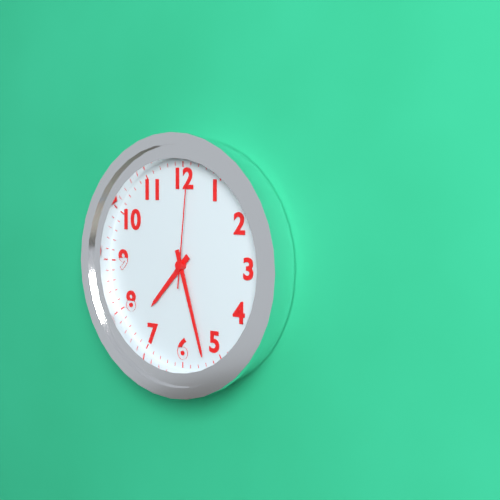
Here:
7,27,01
